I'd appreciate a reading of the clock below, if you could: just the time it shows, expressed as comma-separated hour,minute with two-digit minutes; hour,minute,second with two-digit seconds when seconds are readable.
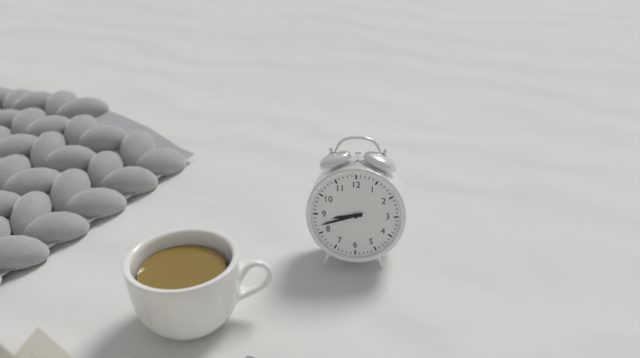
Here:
8,42
